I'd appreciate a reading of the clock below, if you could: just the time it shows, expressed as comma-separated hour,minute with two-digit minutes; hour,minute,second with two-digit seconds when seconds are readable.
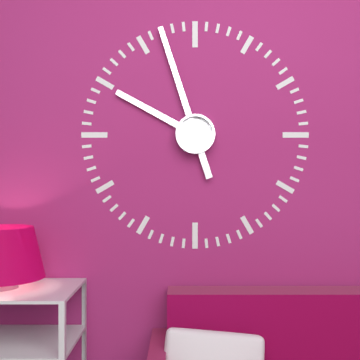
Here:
9,57
